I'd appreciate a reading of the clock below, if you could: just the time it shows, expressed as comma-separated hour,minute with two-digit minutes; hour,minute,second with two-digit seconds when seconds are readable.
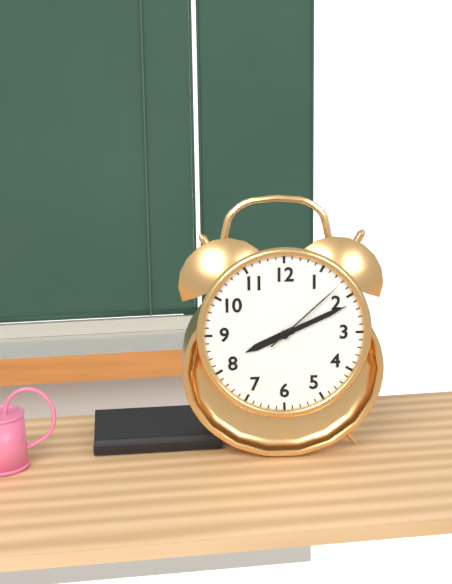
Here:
8,11,08
